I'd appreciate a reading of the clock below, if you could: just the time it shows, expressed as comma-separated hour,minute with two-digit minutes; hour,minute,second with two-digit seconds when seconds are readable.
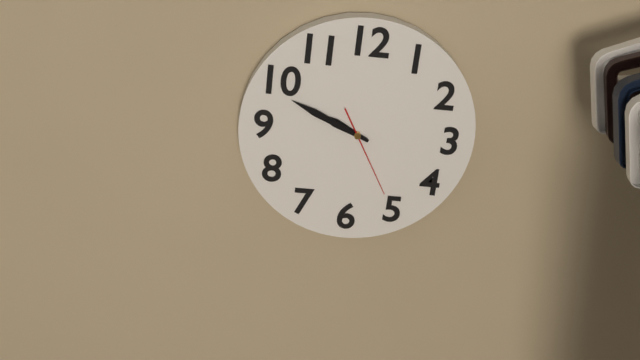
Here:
9,49,25
